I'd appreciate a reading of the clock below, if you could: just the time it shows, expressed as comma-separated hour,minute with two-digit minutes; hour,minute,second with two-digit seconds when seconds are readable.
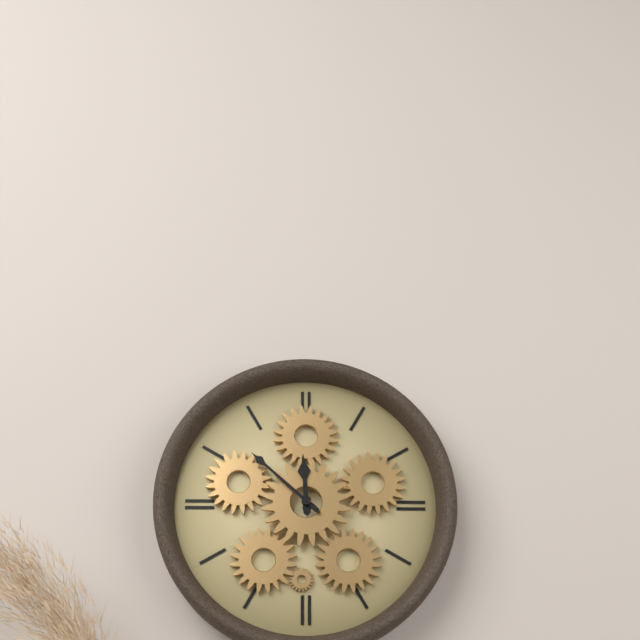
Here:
11,52
